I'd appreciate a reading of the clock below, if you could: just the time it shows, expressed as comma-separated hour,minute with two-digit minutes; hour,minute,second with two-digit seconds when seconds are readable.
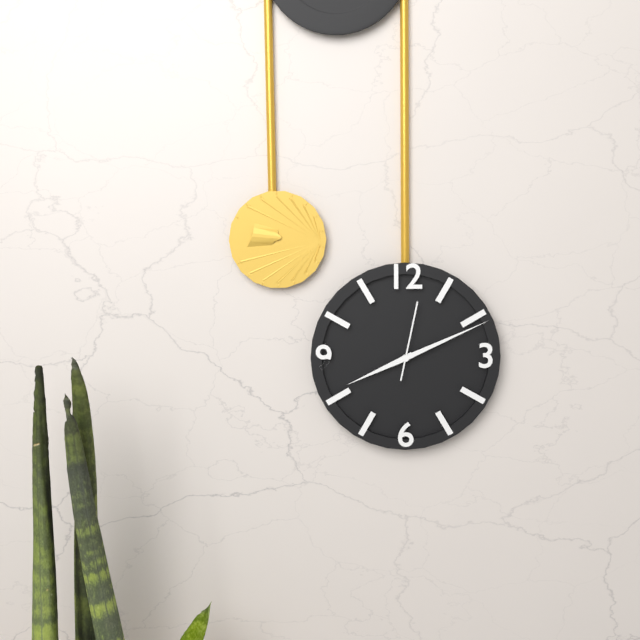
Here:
8,11,02
